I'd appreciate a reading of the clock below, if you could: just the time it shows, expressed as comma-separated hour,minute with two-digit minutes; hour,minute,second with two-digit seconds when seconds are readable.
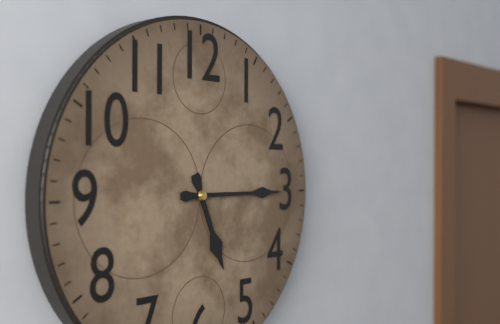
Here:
5,15
